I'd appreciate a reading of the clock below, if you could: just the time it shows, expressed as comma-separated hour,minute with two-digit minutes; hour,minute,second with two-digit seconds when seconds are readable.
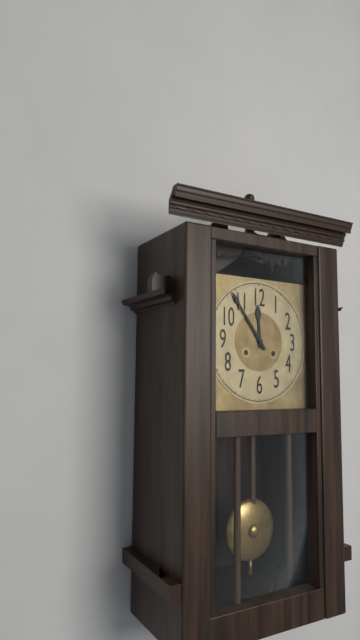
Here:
11,54
